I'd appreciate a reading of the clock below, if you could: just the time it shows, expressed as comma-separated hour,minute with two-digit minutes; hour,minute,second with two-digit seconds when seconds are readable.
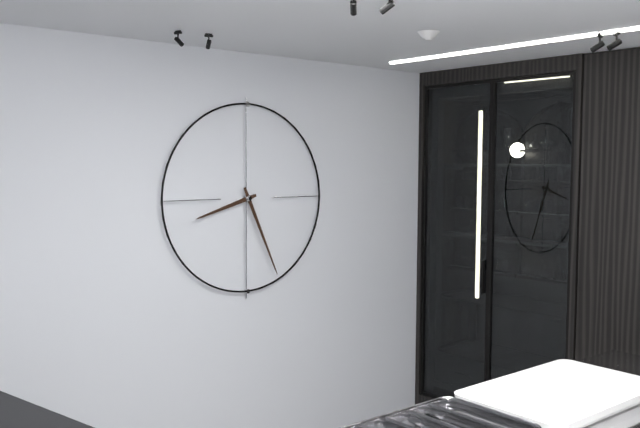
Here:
8,26
